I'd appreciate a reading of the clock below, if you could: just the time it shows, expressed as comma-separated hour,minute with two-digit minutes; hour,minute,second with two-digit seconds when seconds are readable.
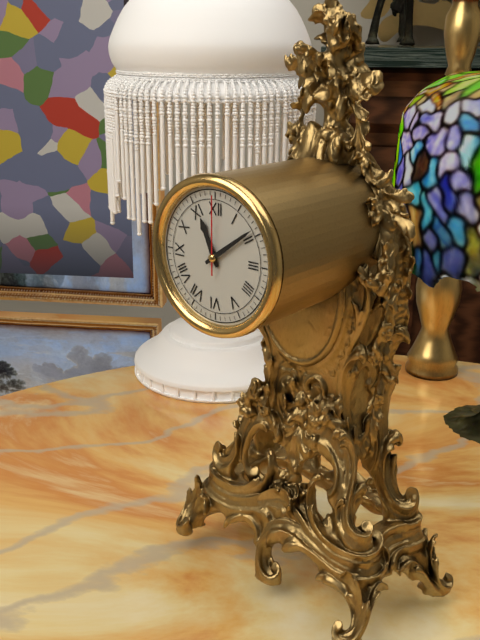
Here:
11,09,00
